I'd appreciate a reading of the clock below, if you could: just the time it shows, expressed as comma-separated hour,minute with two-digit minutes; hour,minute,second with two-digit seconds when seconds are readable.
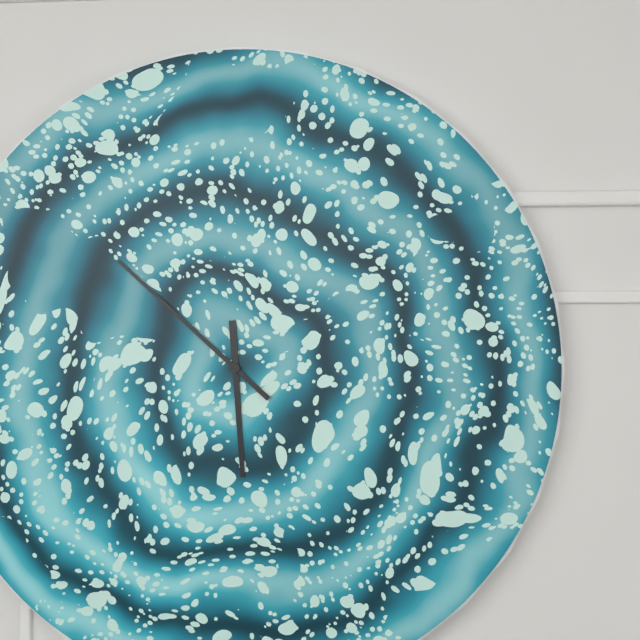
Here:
5,52
